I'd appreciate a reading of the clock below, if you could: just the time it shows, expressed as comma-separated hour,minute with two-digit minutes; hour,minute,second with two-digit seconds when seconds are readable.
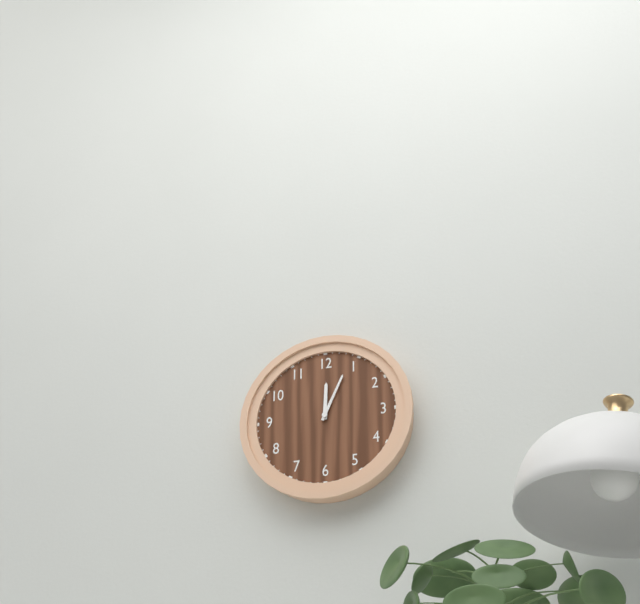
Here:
12,04
